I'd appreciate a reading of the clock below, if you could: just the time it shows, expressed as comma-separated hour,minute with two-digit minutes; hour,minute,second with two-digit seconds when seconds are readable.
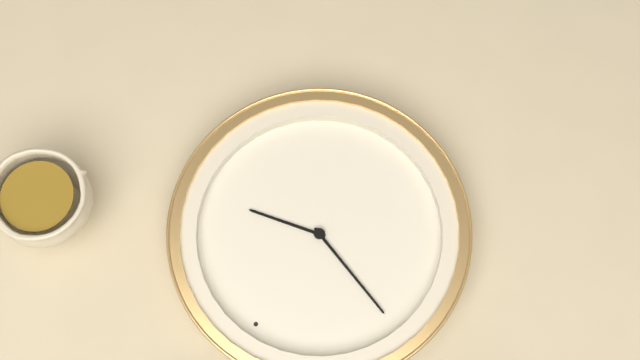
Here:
1,44
